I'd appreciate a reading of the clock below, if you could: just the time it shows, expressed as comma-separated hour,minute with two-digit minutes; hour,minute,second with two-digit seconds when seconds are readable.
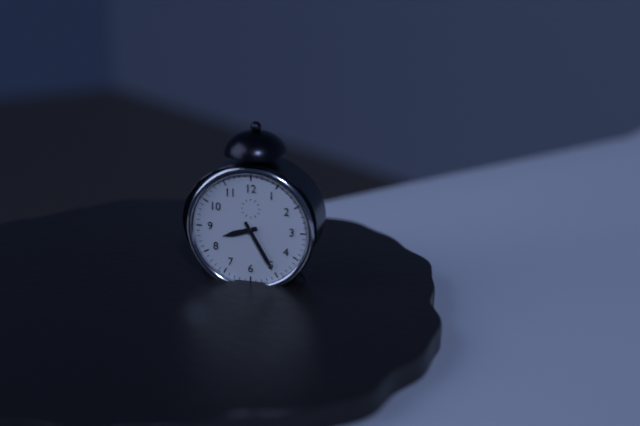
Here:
8,25
